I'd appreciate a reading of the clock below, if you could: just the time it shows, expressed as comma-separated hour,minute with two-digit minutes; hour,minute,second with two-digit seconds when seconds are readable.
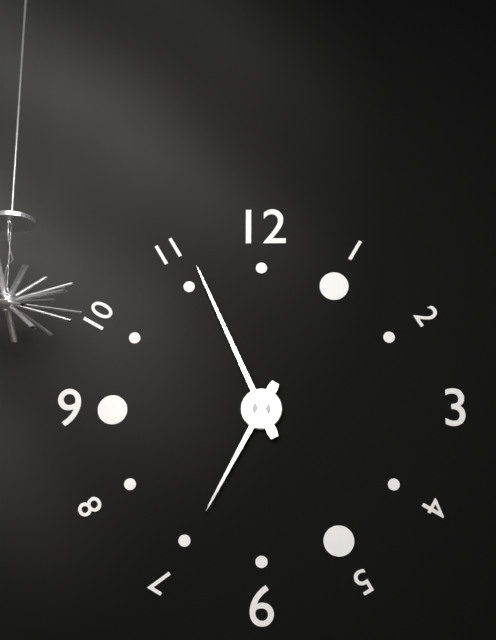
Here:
6,56
